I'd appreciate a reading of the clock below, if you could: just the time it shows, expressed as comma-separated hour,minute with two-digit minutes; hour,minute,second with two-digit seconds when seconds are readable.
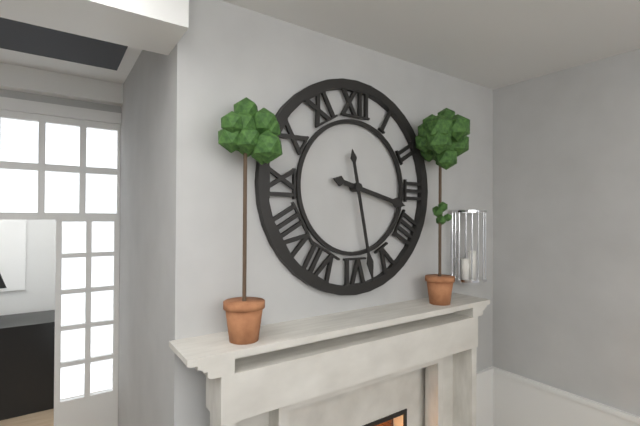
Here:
3,28
